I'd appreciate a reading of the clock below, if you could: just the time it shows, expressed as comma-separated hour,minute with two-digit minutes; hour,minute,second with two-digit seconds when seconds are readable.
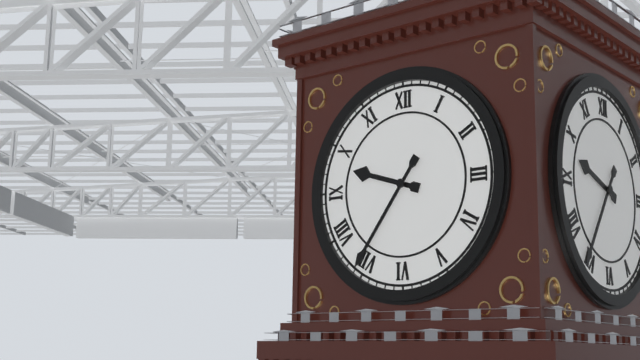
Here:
9,36
